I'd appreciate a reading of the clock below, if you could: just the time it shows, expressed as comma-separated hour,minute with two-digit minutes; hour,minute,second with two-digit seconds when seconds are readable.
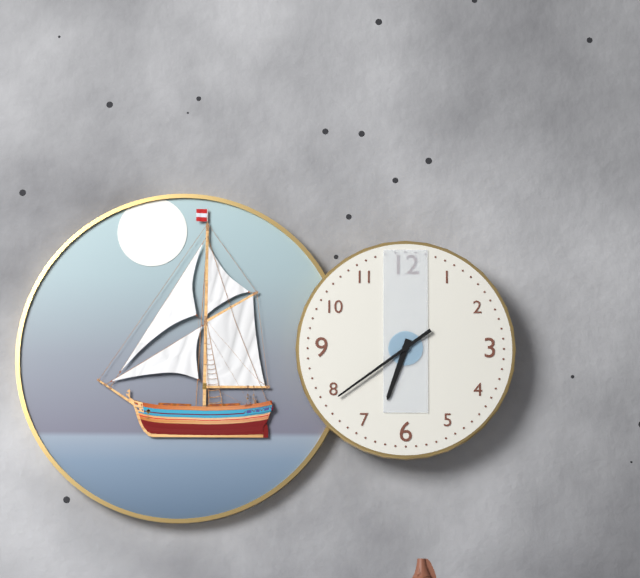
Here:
6,39
